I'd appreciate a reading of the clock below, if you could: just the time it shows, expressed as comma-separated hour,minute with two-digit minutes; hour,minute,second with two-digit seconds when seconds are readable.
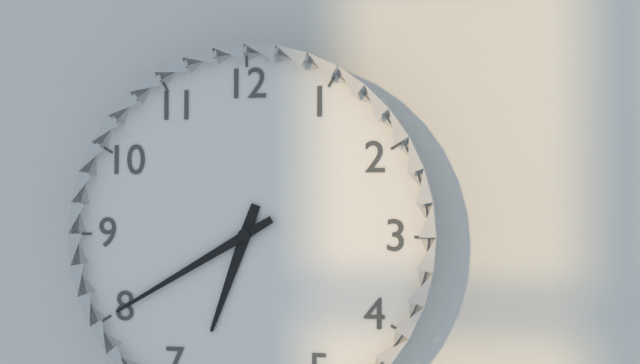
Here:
6,40
